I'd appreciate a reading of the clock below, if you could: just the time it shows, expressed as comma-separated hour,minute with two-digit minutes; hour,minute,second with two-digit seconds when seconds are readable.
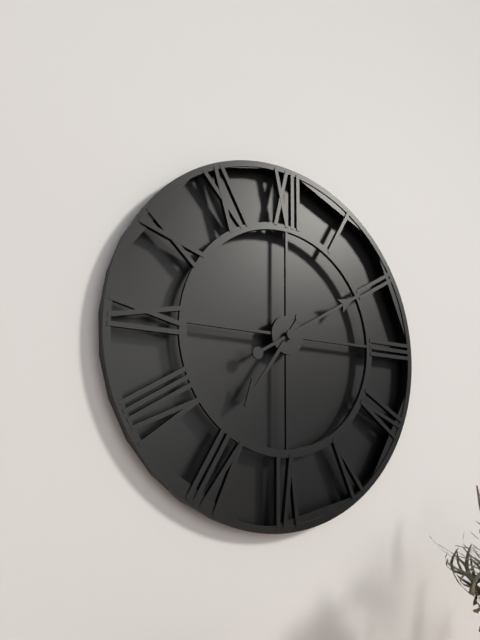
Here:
7,10
